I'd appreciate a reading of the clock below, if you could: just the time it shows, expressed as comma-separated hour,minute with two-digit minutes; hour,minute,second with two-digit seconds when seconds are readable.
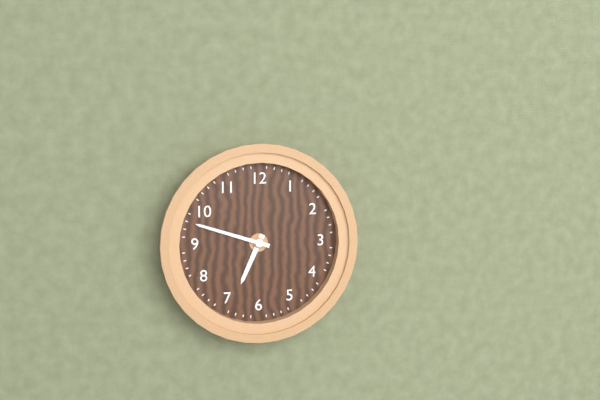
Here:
6,48
